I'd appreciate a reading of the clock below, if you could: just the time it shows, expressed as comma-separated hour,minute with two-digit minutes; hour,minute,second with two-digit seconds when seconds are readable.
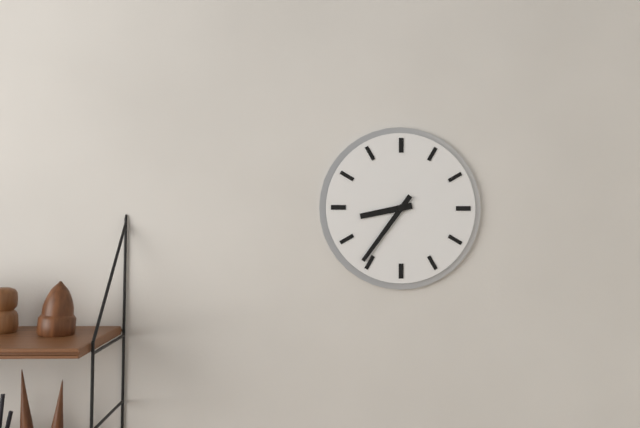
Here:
8,36
